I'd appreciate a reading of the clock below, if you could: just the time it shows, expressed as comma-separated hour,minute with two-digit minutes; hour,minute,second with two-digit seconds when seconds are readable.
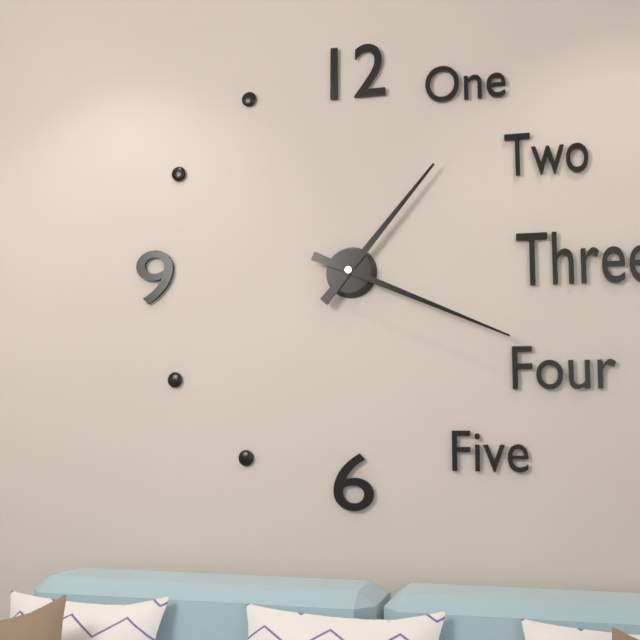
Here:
1,19
